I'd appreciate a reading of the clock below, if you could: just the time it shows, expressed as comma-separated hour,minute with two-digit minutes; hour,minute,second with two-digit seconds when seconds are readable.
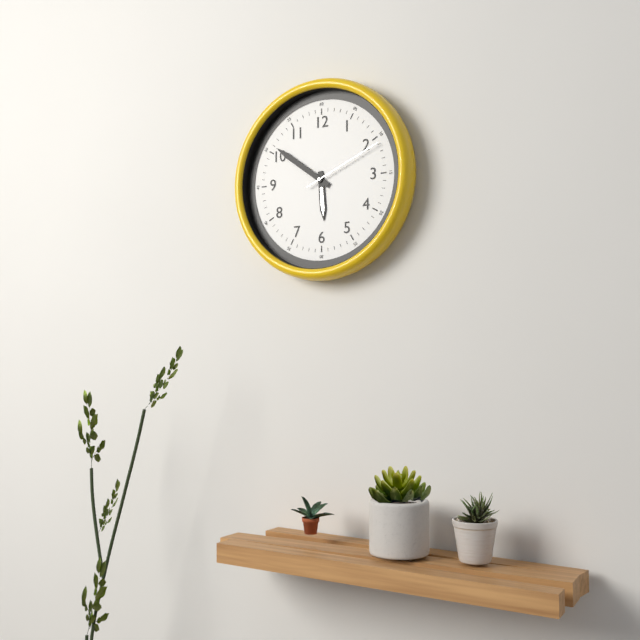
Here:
5,51,11
